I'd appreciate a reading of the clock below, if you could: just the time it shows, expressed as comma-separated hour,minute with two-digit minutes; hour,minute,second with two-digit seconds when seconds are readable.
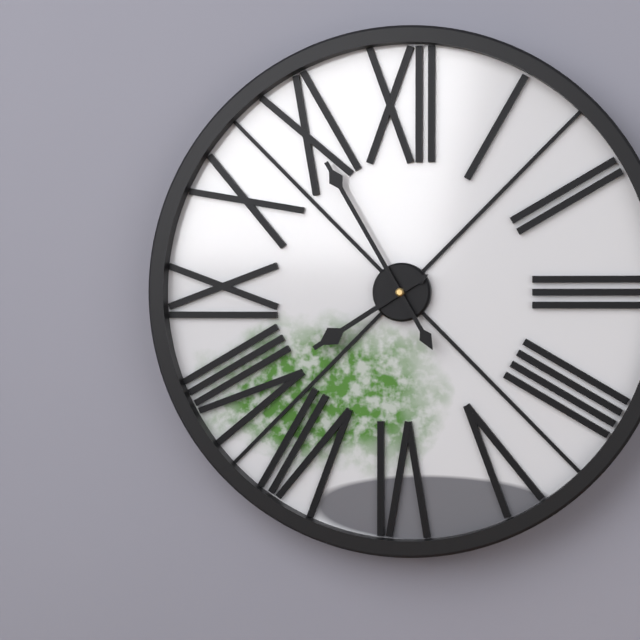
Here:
7,55
